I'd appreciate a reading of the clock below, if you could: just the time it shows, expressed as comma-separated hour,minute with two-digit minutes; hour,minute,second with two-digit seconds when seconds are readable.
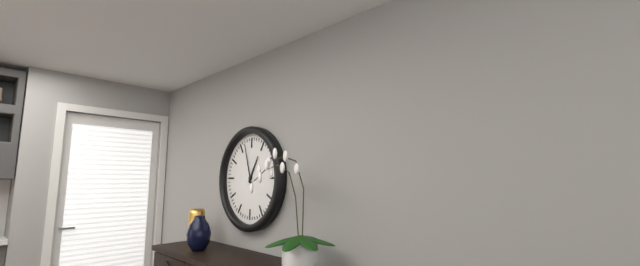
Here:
12,57
